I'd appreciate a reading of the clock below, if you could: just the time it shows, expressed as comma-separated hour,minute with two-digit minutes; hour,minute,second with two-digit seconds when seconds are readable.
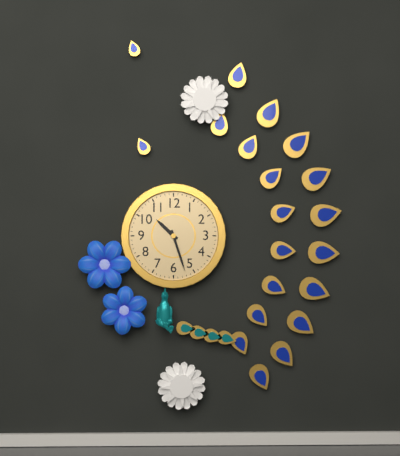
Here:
10,27
